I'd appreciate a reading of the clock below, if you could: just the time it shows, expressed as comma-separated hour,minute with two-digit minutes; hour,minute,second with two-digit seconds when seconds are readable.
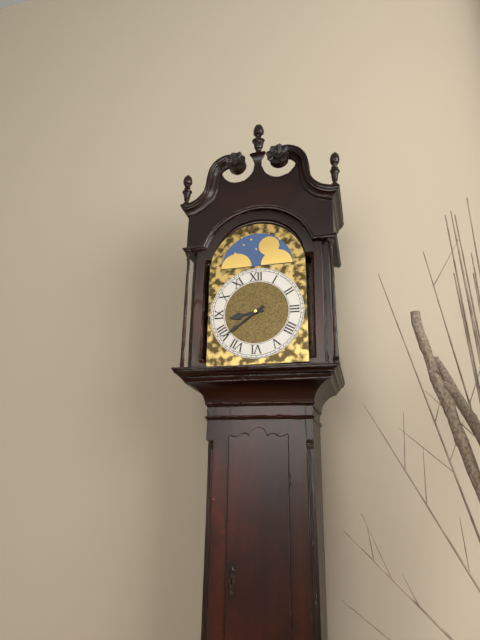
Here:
8,39
